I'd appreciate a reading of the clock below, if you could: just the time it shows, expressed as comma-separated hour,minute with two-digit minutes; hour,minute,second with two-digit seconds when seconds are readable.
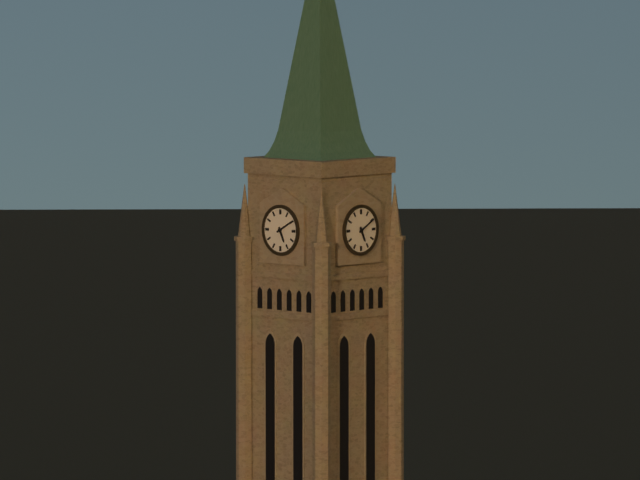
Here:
5,10
